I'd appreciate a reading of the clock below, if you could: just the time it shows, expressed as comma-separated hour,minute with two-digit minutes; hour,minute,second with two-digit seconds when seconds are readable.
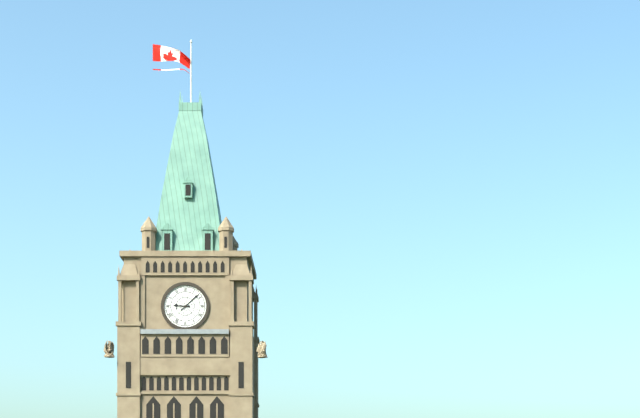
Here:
9,08
